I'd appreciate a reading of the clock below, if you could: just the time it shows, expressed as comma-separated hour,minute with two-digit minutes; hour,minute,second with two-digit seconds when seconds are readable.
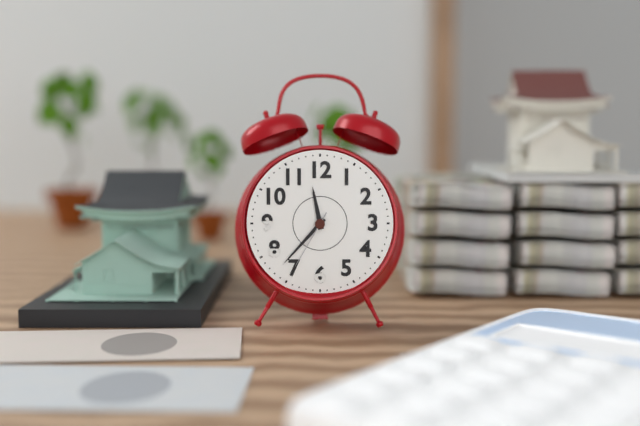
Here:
11,37,35
